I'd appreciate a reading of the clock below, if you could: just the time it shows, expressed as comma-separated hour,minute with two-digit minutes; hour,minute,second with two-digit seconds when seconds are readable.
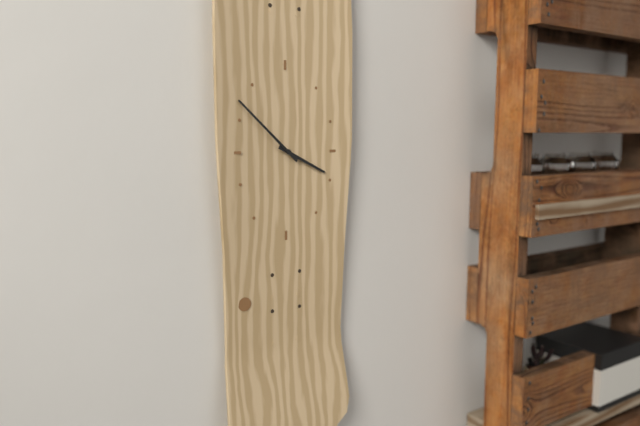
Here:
3,52
